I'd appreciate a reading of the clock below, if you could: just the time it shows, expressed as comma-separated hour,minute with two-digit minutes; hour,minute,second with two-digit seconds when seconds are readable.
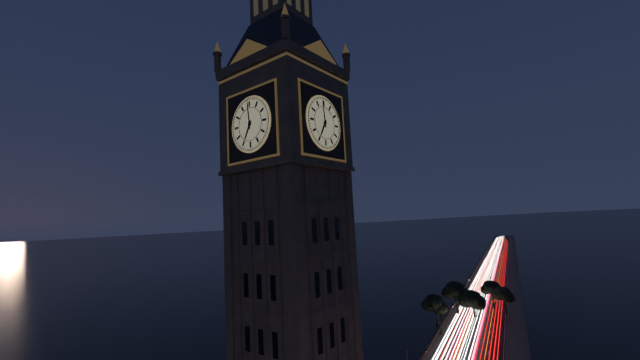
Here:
6,59
